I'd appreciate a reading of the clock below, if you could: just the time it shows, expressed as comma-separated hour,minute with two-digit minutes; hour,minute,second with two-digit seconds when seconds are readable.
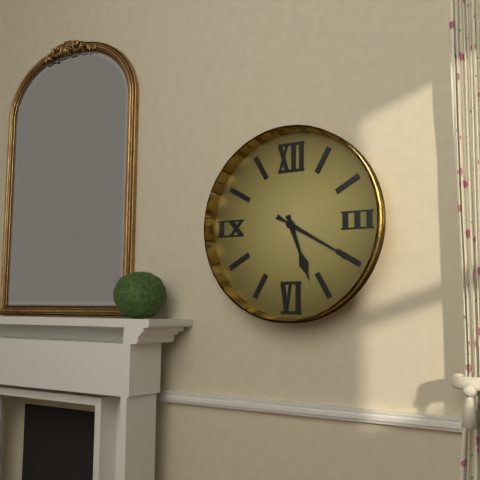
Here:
5,20
